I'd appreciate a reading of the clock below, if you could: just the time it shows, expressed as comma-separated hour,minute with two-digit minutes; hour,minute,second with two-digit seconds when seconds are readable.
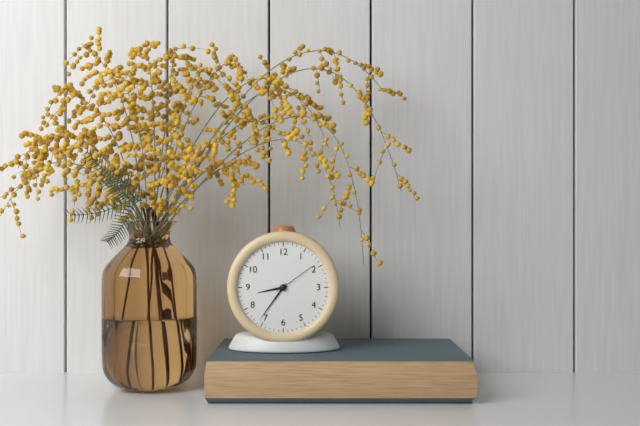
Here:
8,36,09
